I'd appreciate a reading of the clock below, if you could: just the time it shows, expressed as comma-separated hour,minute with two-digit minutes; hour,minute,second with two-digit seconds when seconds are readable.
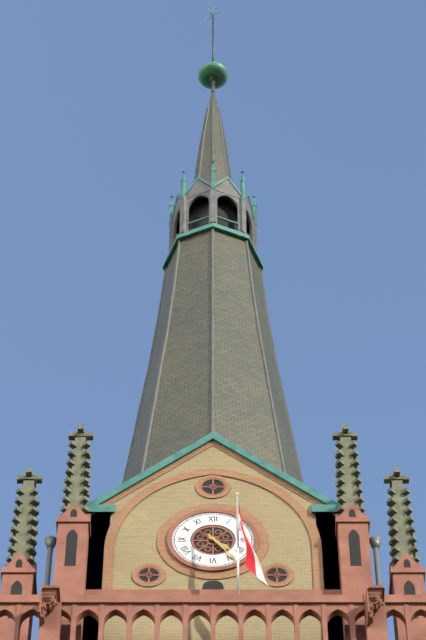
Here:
4,24
